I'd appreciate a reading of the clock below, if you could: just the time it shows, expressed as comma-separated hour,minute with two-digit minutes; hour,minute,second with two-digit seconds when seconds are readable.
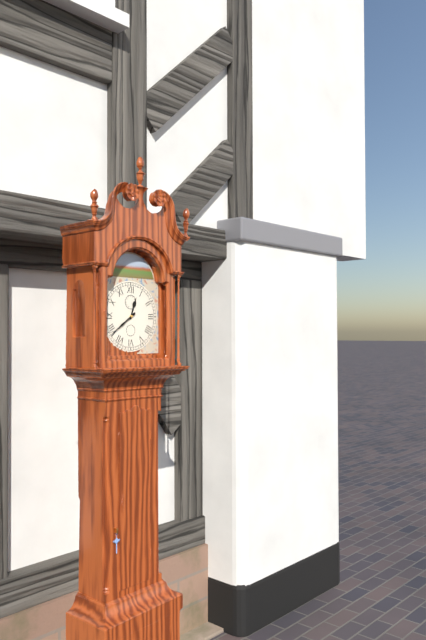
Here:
12,39
